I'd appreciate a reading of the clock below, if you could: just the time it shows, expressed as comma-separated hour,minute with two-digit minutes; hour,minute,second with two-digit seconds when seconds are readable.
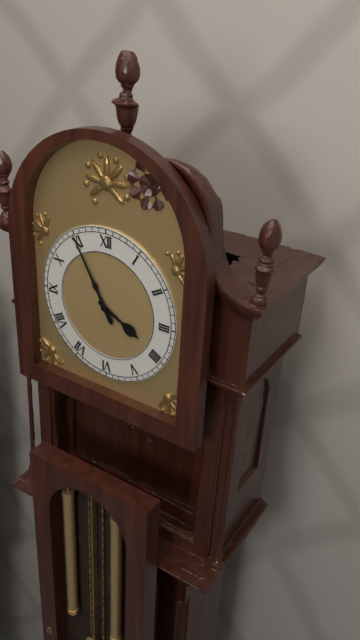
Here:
3,55
